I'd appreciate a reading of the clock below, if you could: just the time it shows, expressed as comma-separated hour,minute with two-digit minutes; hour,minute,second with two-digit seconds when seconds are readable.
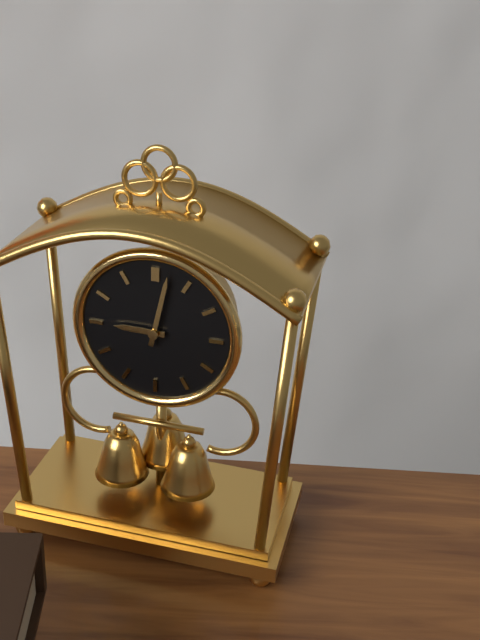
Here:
9,02
